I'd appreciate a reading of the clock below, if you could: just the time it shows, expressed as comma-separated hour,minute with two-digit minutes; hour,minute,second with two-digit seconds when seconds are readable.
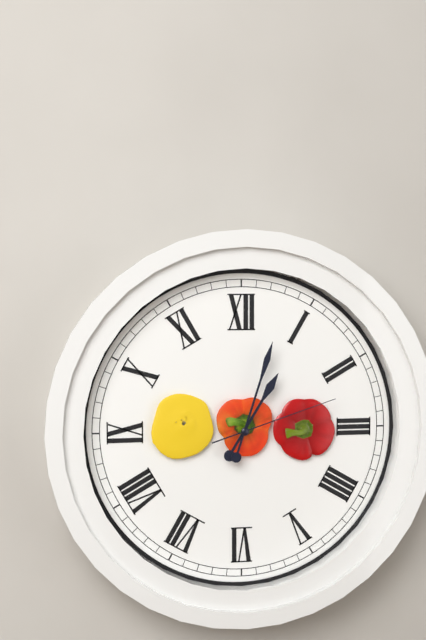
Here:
1,03,12
